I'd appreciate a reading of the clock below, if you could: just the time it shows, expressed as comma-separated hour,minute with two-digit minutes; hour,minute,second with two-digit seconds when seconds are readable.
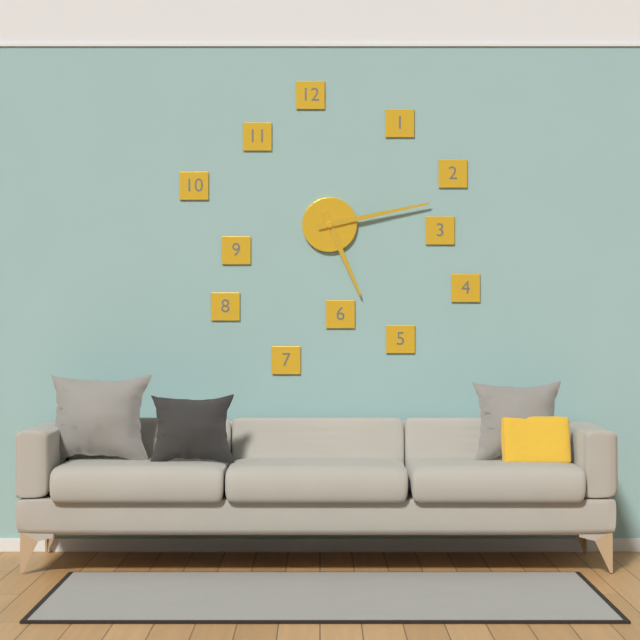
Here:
5,13
